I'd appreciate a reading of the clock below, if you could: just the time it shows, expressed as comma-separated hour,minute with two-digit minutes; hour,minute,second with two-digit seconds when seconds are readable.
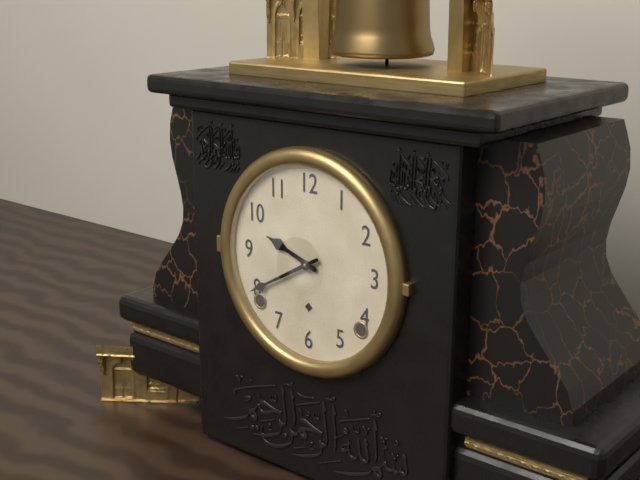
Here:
9,40
